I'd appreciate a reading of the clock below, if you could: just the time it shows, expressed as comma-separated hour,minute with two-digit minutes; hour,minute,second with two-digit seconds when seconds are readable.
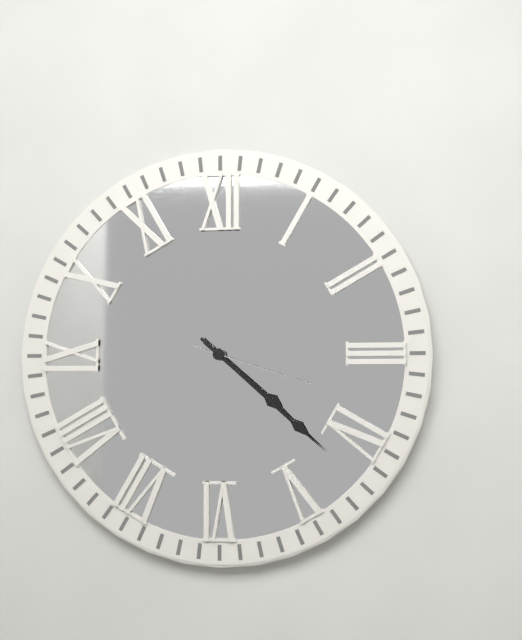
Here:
4,22,18
